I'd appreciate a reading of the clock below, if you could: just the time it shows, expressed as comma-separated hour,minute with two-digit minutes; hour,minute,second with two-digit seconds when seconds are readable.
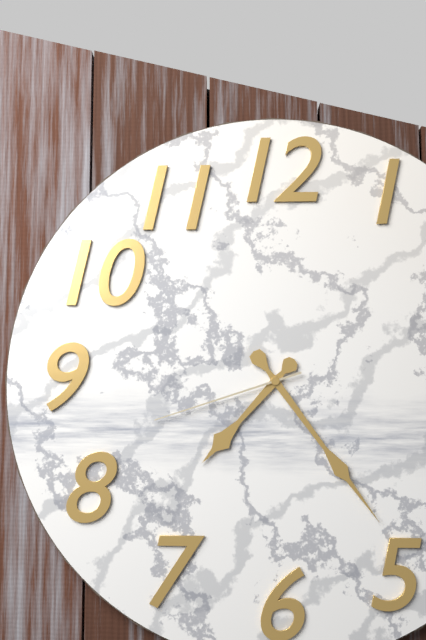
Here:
7,24,42
